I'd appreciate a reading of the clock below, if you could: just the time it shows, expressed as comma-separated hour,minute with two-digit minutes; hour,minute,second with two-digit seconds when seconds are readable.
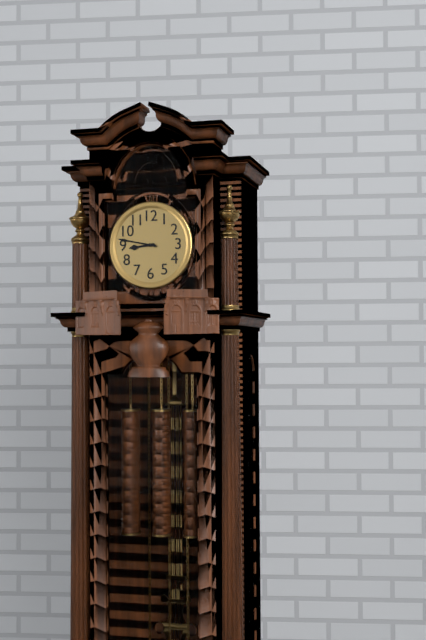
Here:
8,47
